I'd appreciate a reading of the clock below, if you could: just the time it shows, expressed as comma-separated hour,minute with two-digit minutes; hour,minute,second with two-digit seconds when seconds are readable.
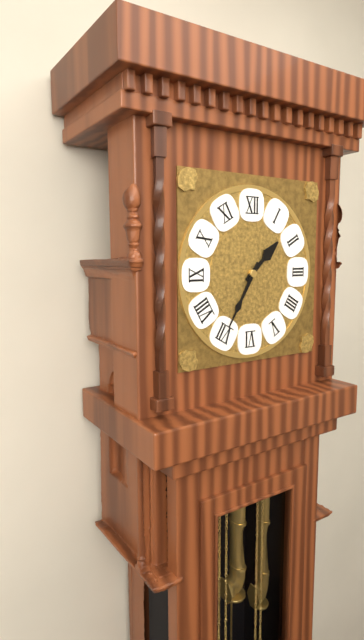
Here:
1,35
